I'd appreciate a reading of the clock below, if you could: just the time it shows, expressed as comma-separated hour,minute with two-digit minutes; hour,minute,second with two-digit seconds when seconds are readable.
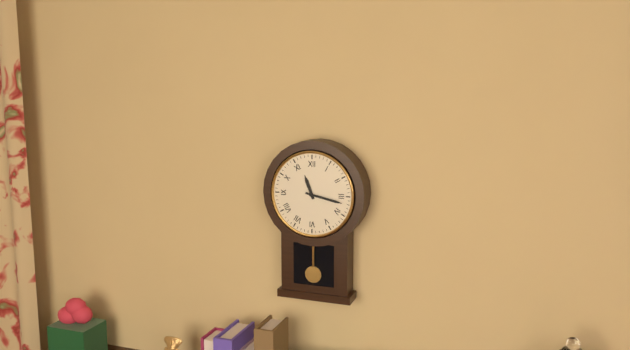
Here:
11,17
